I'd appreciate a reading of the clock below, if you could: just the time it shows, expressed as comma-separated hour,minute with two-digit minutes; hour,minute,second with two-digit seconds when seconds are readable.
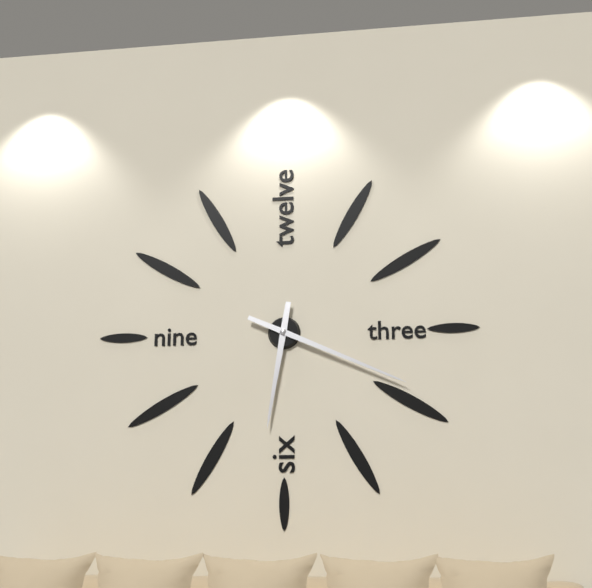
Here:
6,19
